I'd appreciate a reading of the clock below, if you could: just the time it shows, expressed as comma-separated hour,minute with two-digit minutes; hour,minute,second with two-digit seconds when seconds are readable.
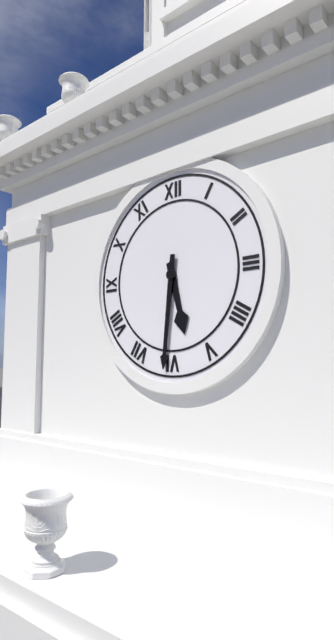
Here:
5,31
